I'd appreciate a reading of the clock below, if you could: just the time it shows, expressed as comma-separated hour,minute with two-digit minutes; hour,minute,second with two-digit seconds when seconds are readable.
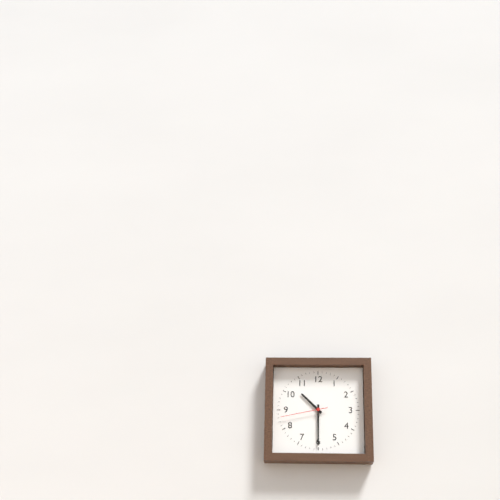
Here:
10,30
